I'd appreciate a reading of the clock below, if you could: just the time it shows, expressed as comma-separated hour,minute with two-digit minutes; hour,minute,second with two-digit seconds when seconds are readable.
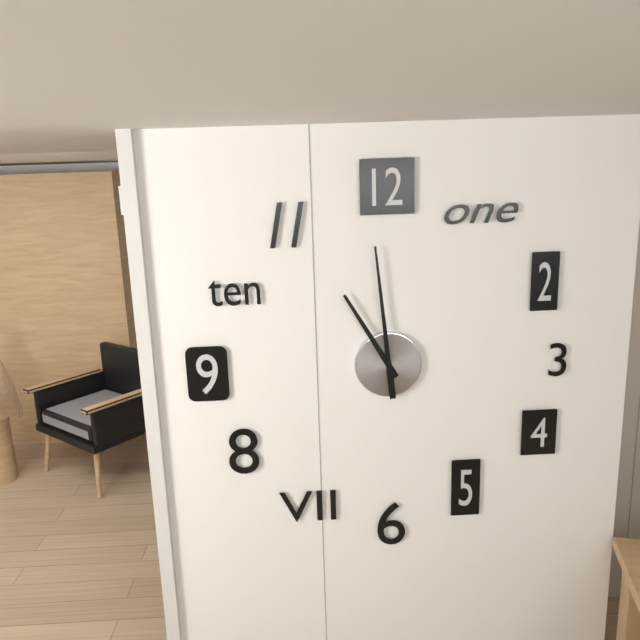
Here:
10,59
